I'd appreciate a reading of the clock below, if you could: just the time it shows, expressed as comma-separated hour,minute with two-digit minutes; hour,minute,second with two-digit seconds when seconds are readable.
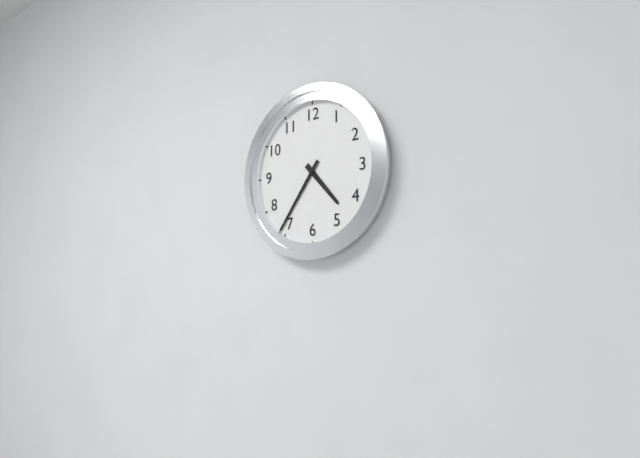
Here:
4,36
